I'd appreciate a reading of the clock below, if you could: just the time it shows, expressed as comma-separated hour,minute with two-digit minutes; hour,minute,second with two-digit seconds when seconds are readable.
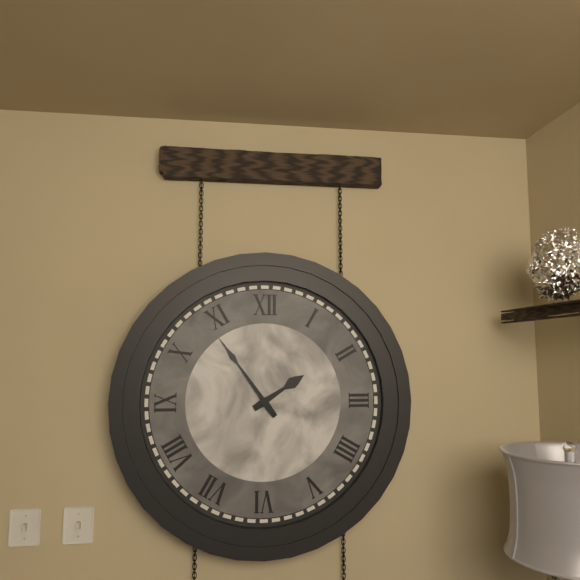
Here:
1,54
